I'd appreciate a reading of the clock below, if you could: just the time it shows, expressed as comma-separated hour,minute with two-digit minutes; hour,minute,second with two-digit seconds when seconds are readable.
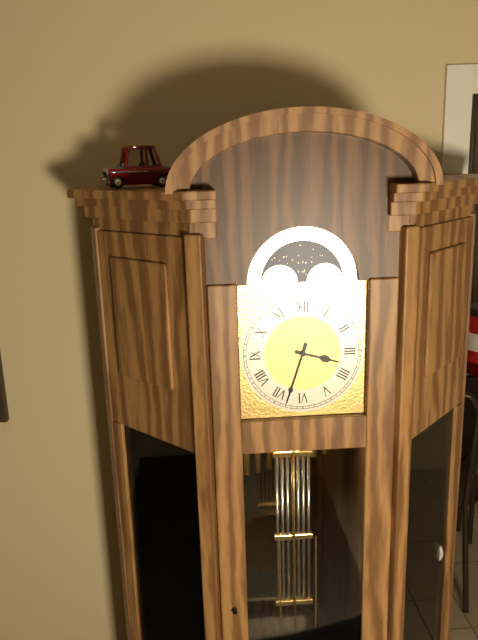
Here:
3,33
